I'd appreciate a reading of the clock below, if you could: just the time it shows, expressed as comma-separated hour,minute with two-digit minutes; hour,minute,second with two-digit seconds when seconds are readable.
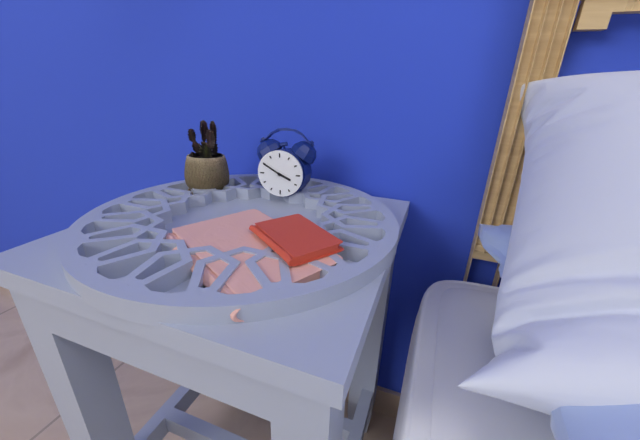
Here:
3,50
